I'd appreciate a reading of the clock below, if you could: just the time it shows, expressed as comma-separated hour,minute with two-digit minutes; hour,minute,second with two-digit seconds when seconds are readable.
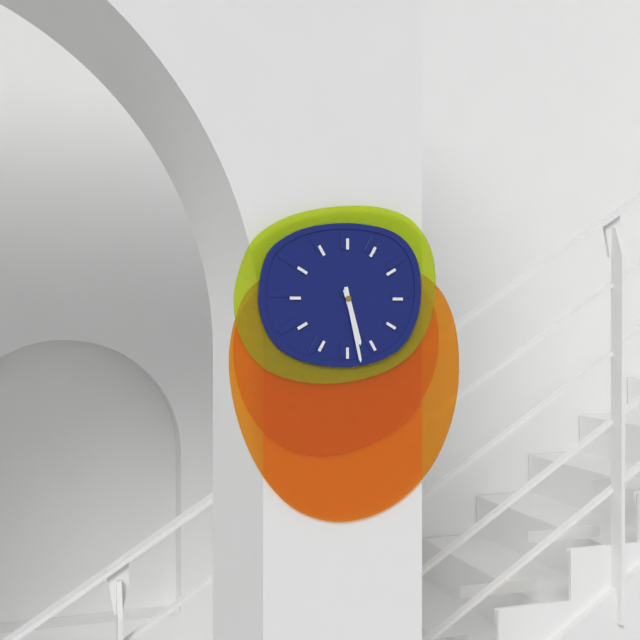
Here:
5,28
